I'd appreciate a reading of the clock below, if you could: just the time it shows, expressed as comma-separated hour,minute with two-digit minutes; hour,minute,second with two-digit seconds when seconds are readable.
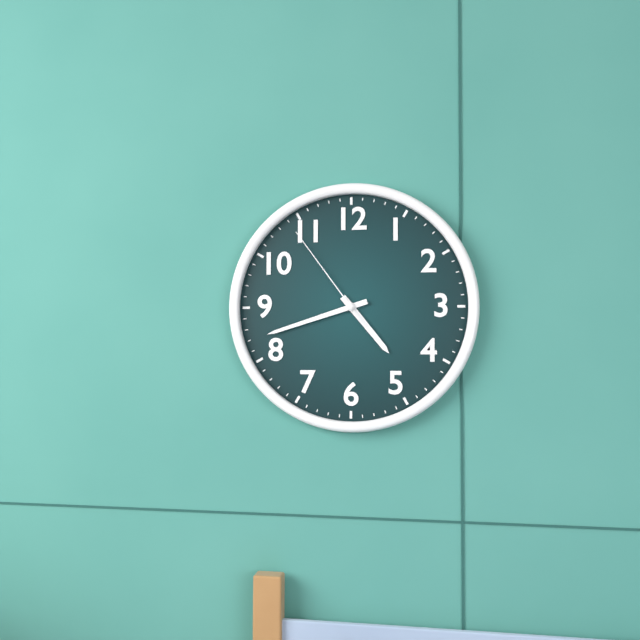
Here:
4,42,54
